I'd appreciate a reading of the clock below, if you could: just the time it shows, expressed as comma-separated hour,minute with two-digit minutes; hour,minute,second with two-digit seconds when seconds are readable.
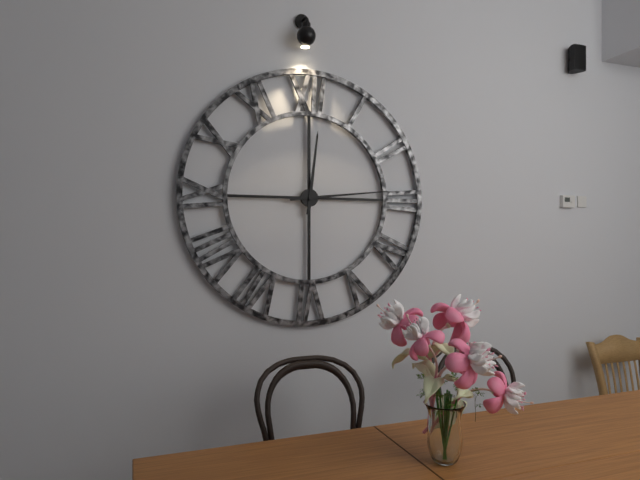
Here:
12,14
